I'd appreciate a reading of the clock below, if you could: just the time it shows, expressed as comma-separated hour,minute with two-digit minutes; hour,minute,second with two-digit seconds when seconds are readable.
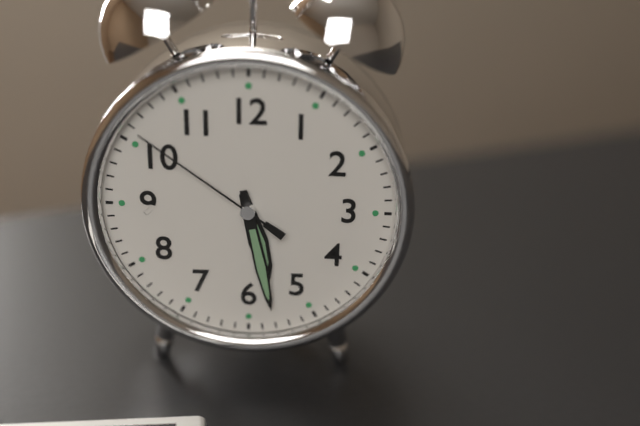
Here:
5,28,51
